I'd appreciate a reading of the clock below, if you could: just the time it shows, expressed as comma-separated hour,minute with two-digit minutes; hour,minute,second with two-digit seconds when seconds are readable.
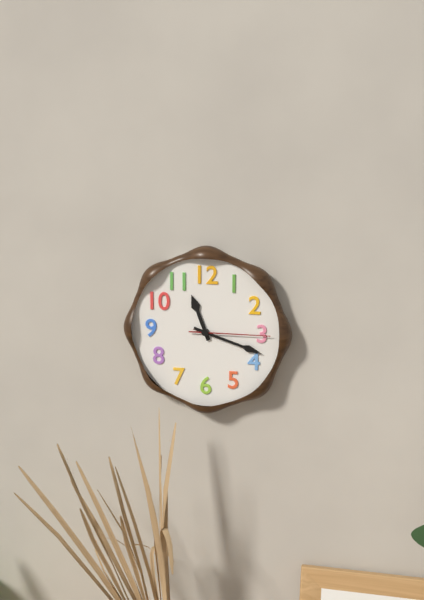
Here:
11,18,15
